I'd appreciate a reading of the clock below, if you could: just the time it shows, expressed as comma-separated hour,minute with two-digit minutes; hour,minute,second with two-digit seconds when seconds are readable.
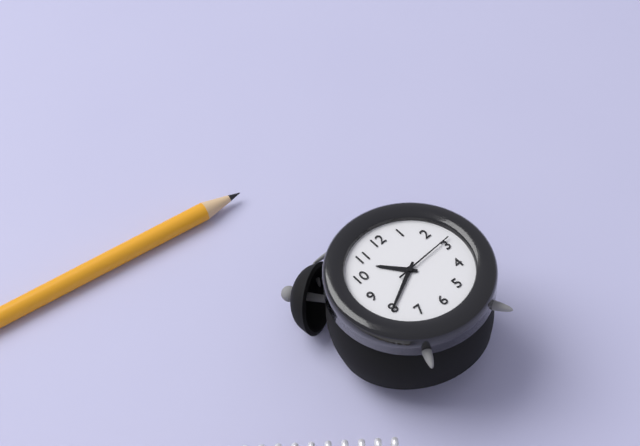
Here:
10,40,14
